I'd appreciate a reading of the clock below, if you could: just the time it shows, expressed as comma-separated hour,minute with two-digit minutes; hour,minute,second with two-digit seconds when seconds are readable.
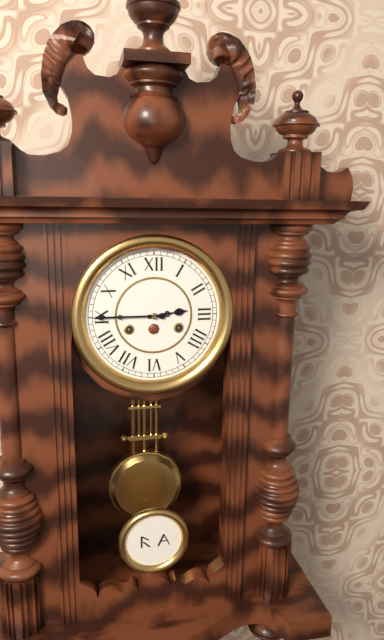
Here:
2,45
